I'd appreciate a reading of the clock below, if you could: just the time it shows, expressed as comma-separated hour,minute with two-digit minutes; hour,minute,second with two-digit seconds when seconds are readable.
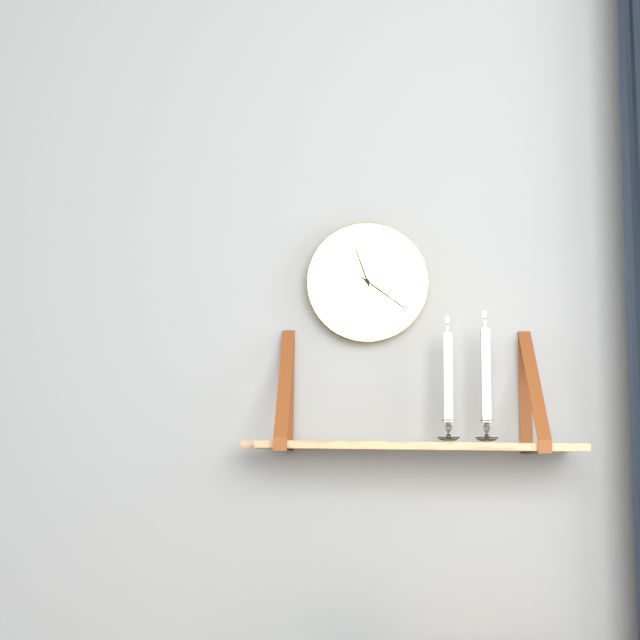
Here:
11,21
